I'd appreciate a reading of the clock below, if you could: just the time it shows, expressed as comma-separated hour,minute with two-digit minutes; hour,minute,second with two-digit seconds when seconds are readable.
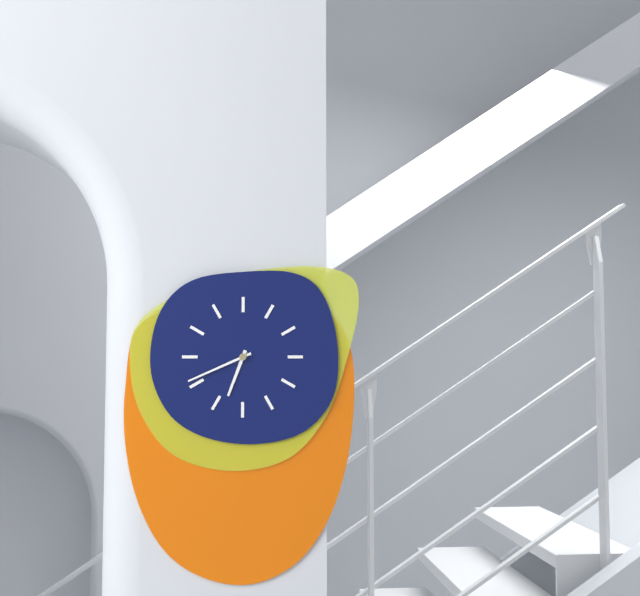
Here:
6,41
